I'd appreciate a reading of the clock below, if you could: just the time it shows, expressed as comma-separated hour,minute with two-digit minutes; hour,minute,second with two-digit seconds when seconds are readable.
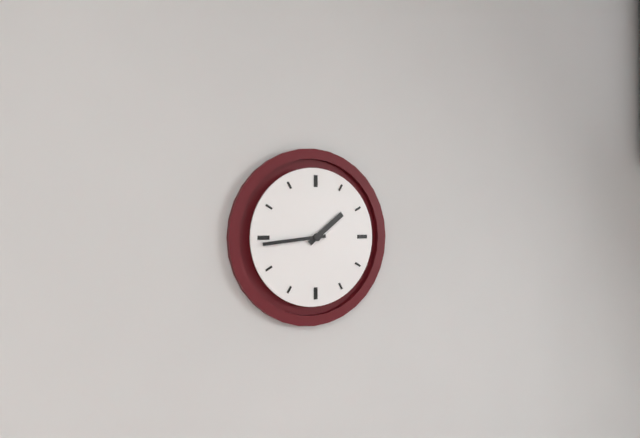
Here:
1,44
